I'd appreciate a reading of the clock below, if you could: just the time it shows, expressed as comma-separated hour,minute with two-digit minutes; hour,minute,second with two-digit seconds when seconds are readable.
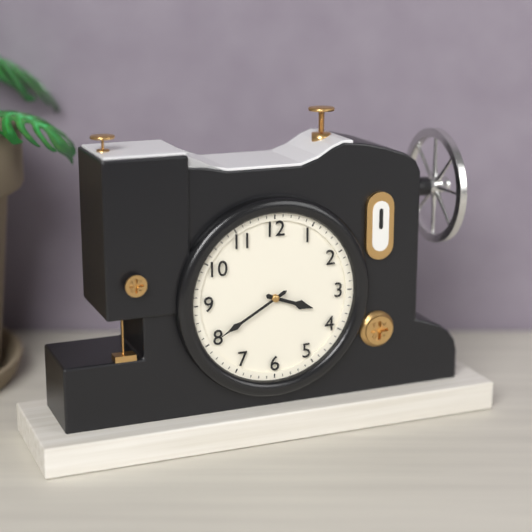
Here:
3,40
